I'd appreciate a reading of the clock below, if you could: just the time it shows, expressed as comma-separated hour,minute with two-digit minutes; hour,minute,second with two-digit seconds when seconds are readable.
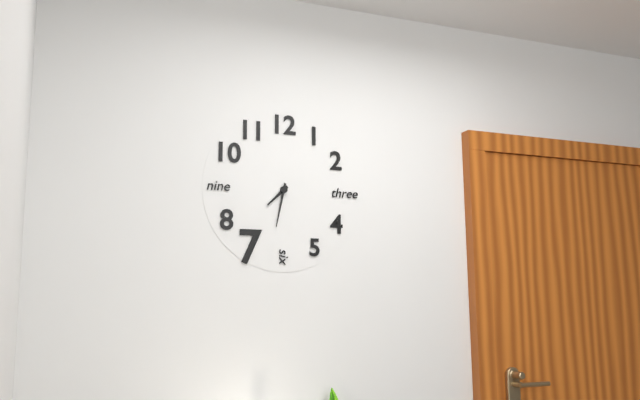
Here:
7,32
